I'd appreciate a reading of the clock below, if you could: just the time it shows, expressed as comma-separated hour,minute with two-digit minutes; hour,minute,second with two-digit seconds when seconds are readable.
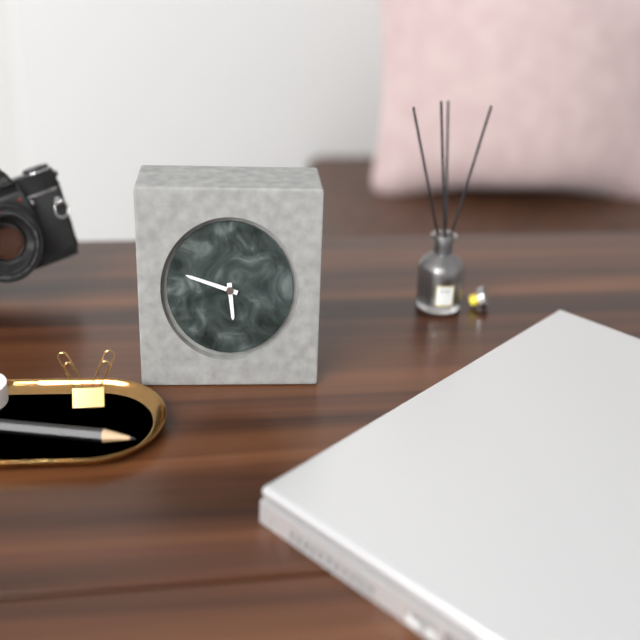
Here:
5,48
